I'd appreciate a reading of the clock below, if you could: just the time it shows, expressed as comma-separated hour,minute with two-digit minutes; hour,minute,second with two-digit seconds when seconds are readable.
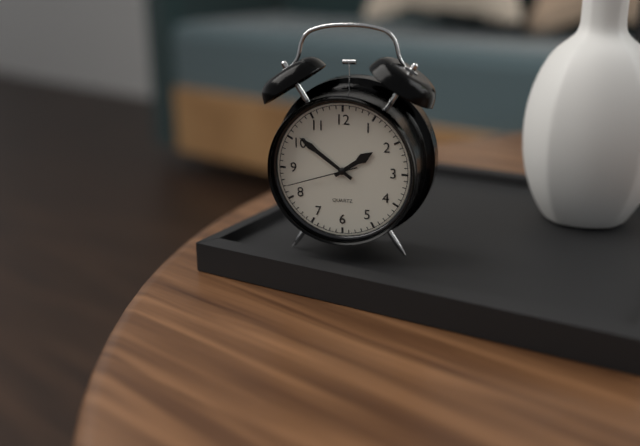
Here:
1,51,42
